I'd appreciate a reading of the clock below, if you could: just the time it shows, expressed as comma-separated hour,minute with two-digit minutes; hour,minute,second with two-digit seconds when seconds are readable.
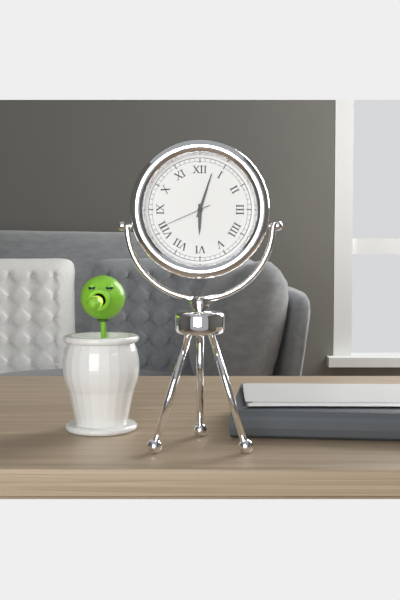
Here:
6,03,41
